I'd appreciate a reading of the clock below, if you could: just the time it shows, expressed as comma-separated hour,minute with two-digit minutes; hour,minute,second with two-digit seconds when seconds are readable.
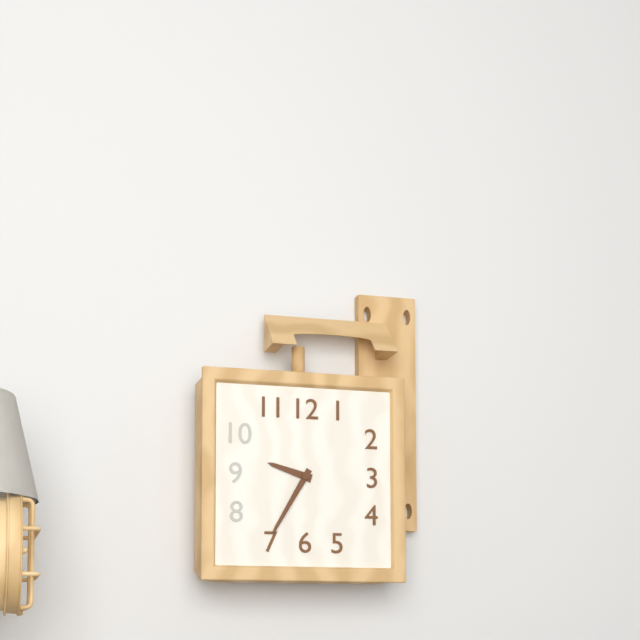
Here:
9,35
